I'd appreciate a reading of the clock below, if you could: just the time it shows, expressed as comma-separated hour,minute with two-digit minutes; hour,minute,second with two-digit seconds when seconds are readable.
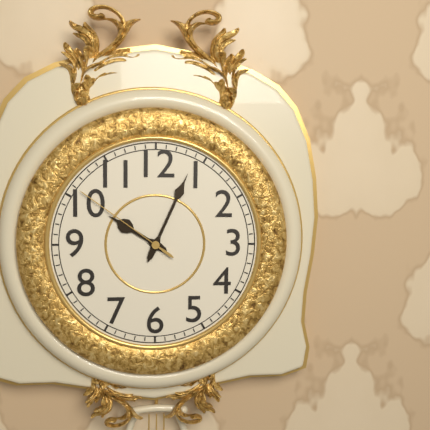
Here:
10,04,51
